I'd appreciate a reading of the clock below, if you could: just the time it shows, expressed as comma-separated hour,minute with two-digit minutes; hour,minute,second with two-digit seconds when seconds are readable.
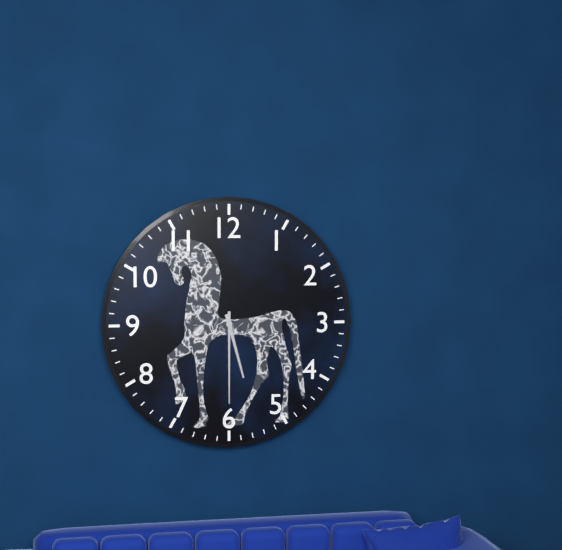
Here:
5,30
